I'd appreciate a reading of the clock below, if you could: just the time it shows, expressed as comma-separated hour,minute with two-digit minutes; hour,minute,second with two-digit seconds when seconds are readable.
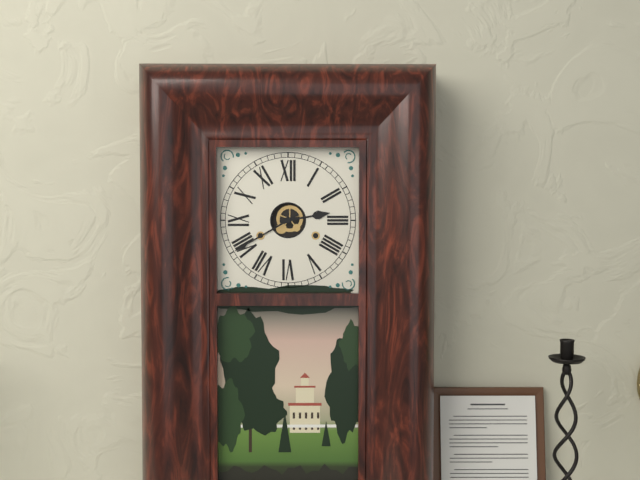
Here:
2,40
